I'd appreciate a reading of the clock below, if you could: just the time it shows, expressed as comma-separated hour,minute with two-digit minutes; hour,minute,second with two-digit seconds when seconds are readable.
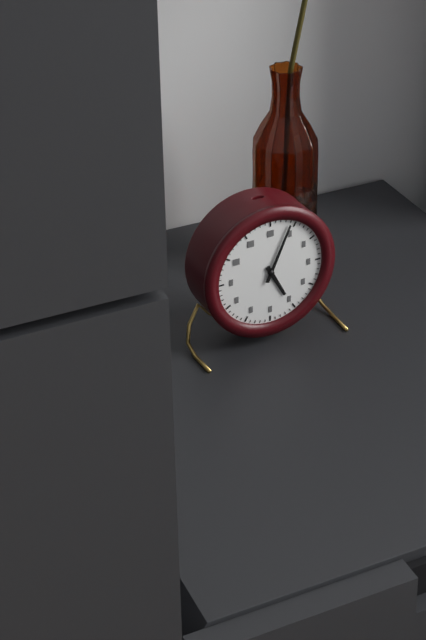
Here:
5,04
